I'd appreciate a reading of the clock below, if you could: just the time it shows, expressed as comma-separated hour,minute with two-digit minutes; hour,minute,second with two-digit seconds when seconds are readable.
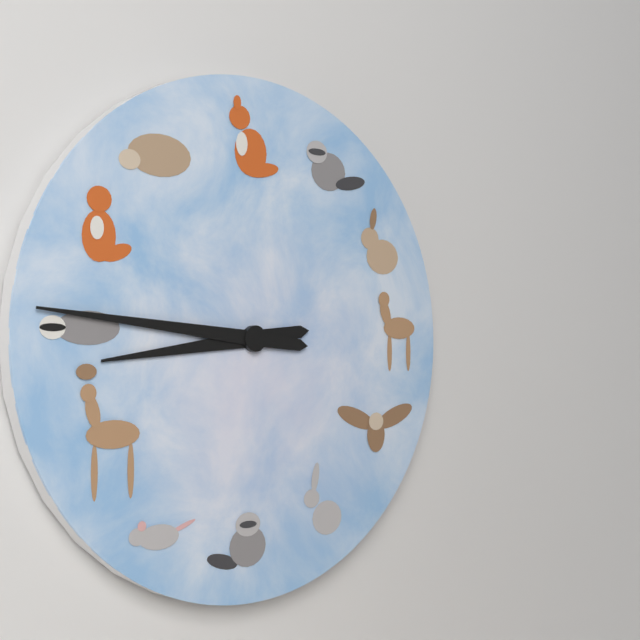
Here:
8,46
